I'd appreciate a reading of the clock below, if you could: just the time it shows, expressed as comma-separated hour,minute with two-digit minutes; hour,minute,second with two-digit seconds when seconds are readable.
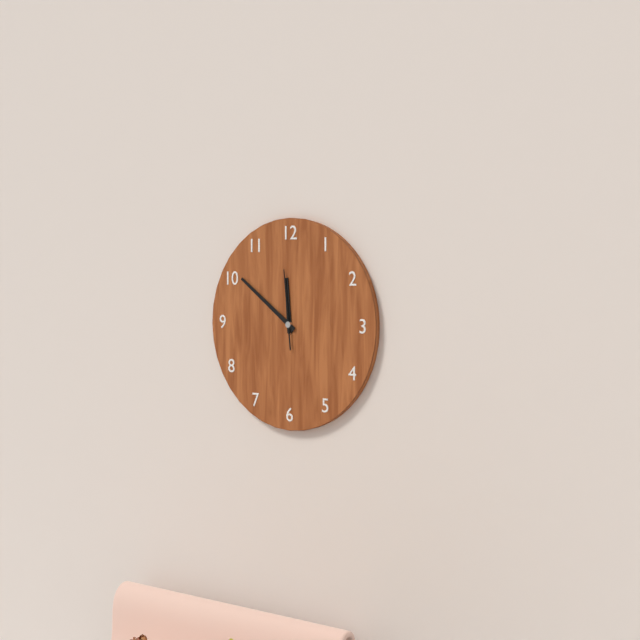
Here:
11,51,59
